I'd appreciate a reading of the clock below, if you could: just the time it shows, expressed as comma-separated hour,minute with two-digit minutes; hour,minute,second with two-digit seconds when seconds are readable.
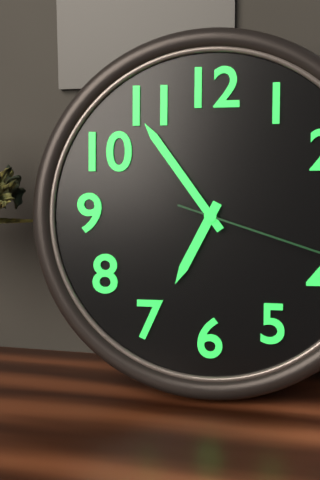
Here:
6,54
